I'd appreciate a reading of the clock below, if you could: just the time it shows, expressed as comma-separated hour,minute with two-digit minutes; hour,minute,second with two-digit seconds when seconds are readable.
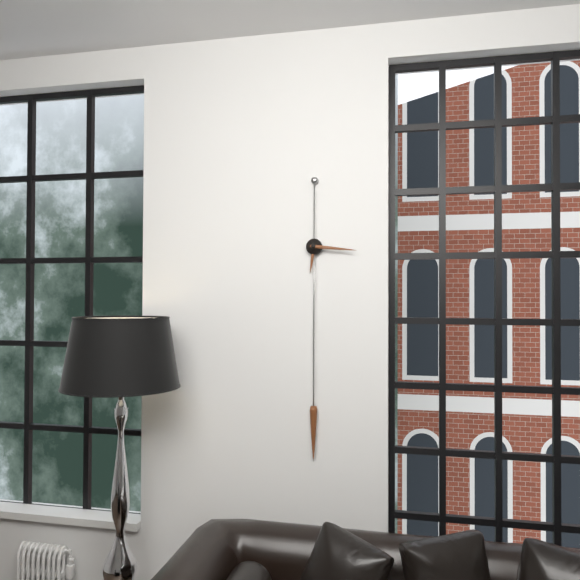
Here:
6,16
